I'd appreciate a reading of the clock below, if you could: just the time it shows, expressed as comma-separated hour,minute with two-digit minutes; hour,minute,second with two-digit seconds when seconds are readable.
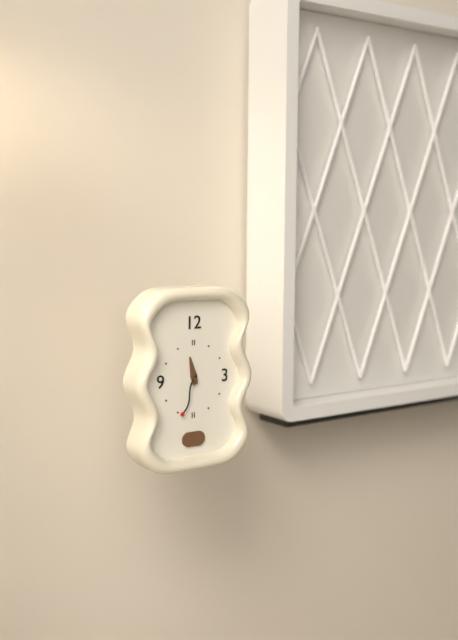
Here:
11,34
